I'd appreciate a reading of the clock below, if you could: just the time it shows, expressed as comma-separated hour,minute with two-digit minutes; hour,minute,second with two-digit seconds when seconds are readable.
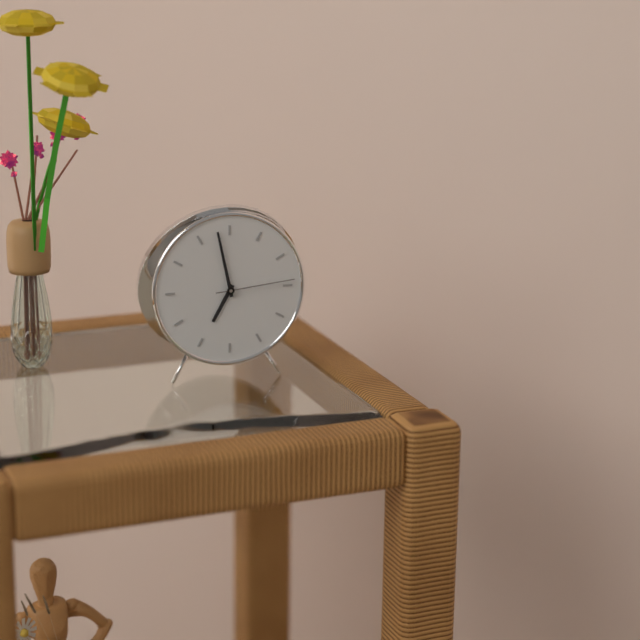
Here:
6,58,14
